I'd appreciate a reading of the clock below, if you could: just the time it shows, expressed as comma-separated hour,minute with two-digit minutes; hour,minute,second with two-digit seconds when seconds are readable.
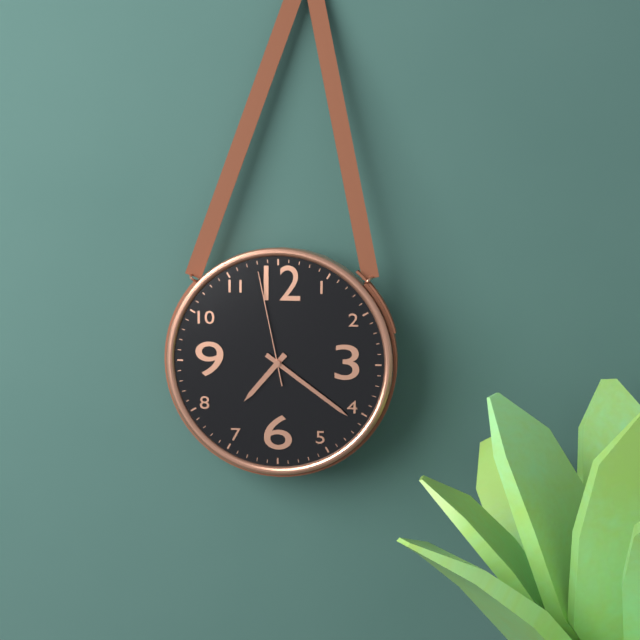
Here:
7,21,58
